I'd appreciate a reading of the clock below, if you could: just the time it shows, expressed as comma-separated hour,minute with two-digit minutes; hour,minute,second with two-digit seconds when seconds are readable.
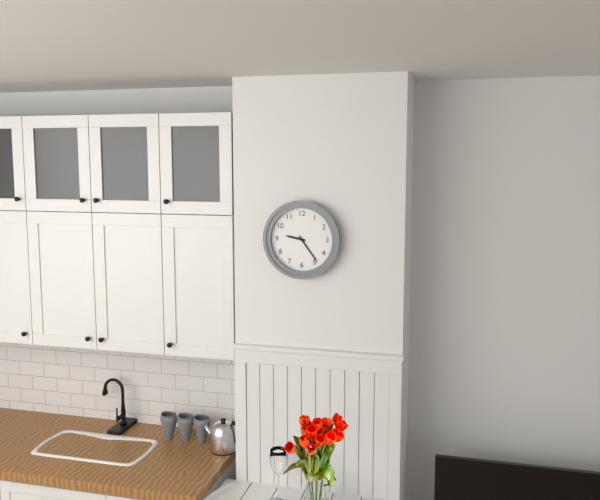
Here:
9,24
